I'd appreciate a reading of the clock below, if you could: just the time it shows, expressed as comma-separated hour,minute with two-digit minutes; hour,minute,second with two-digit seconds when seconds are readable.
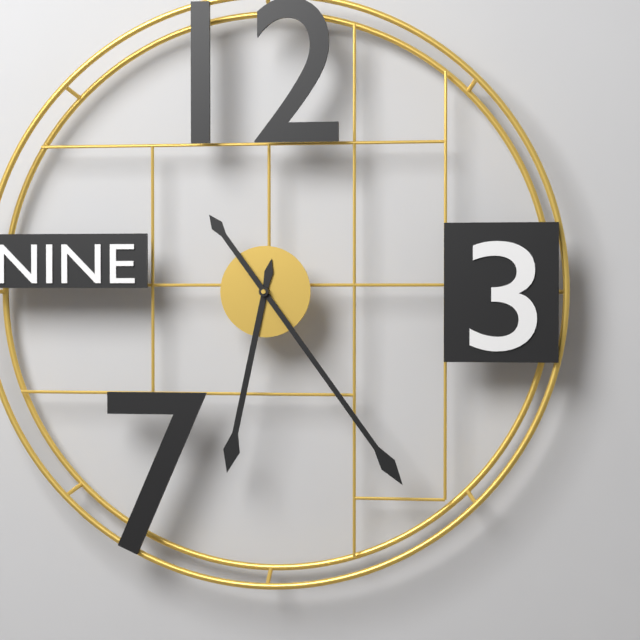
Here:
6,24
